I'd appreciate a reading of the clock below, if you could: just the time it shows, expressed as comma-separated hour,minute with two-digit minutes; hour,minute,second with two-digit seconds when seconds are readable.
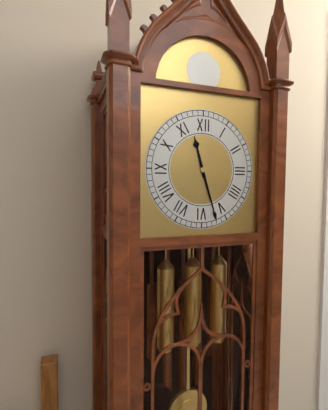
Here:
11,27
